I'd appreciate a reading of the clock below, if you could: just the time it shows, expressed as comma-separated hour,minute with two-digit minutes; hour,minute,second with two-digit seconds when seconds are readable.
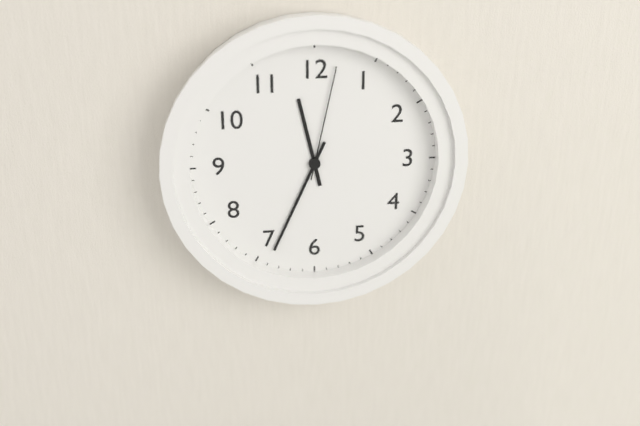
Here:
11,34,02
